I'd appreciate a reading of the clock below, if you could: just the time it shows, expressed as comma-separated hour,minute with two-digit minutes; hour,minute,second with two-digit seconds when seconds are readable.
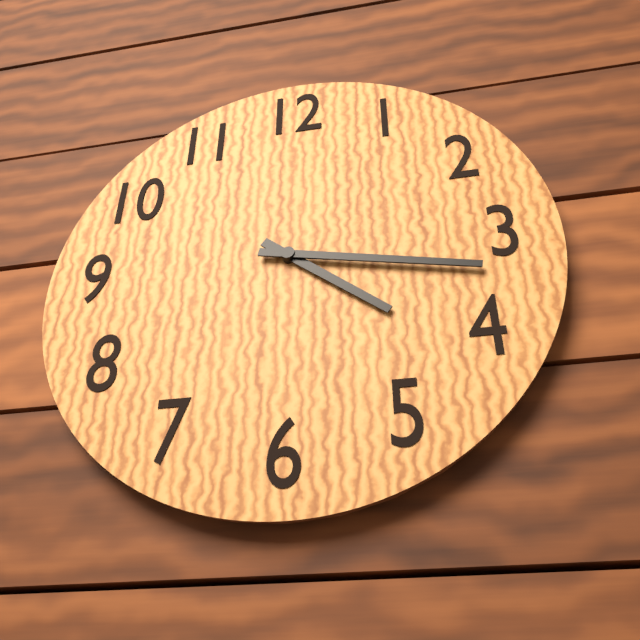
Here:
4,17
